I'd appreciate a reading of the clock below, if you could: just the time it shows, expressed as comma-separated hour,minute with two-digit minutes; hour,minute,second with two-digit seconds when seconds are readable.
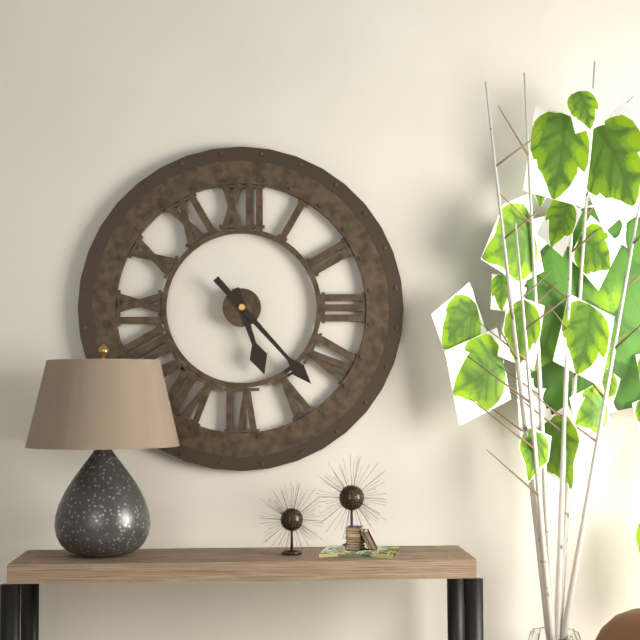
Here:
5,23
